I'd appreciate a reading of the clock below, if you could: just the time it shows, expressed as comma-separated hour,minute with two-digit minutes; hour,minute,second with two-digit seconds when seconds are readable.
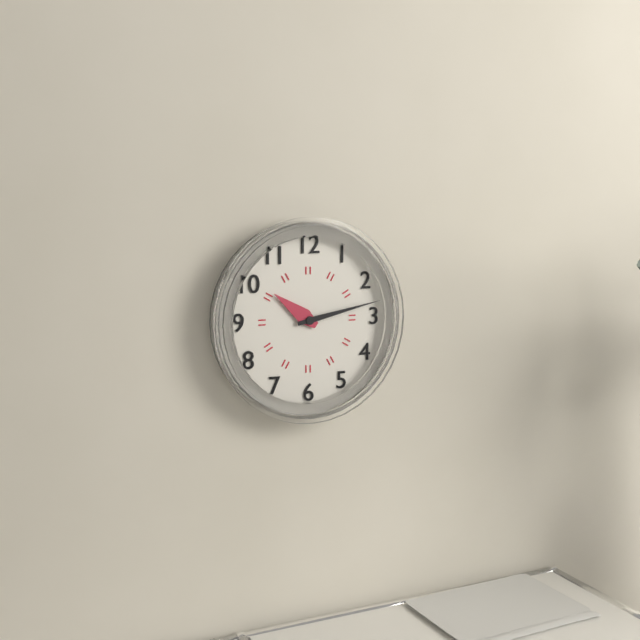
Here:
10,13
